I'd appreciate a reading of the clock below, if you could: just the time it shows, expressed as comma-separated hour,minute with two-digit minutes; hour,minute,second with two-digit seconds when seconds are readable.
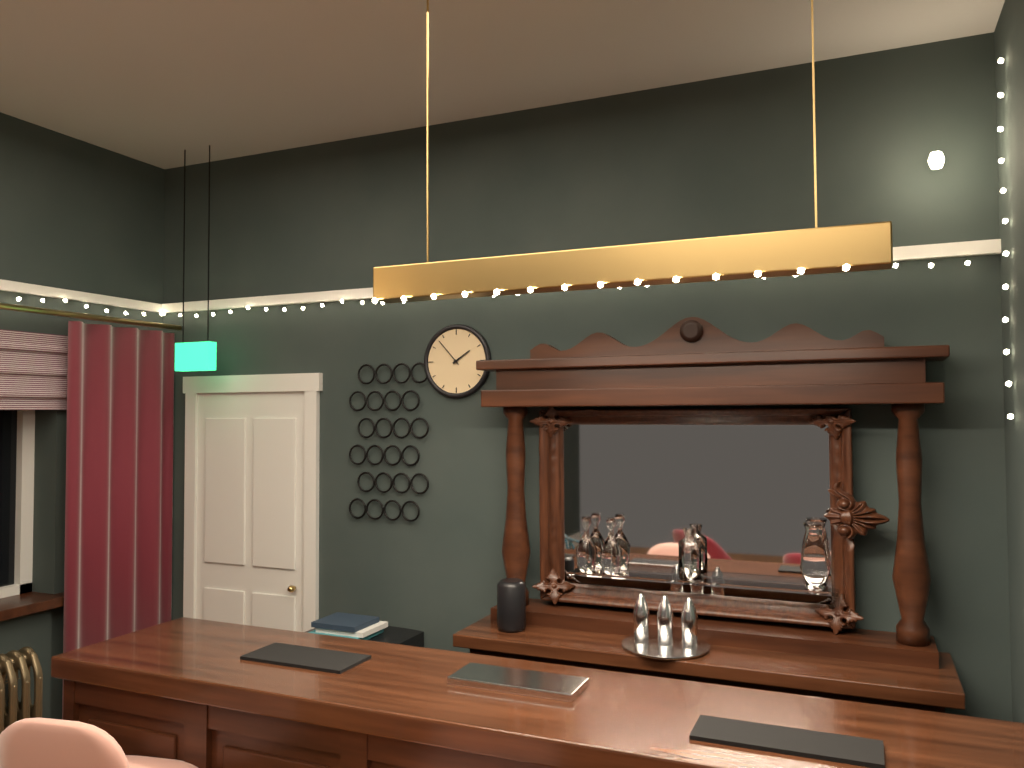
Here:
1,53
